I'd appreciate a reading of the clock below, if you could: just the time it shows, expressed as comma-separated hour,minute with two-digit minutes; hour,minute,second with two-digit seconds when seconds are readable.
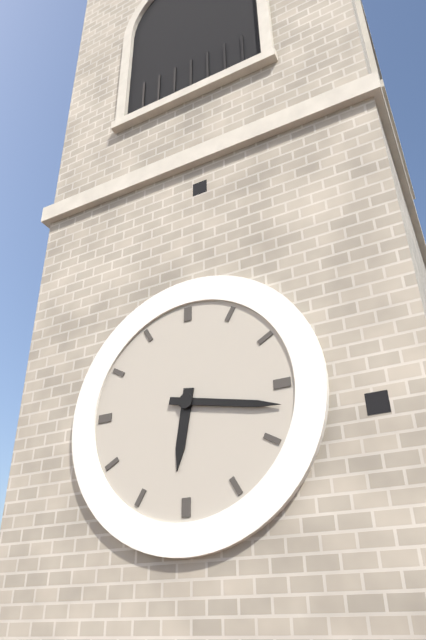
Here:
6,17
